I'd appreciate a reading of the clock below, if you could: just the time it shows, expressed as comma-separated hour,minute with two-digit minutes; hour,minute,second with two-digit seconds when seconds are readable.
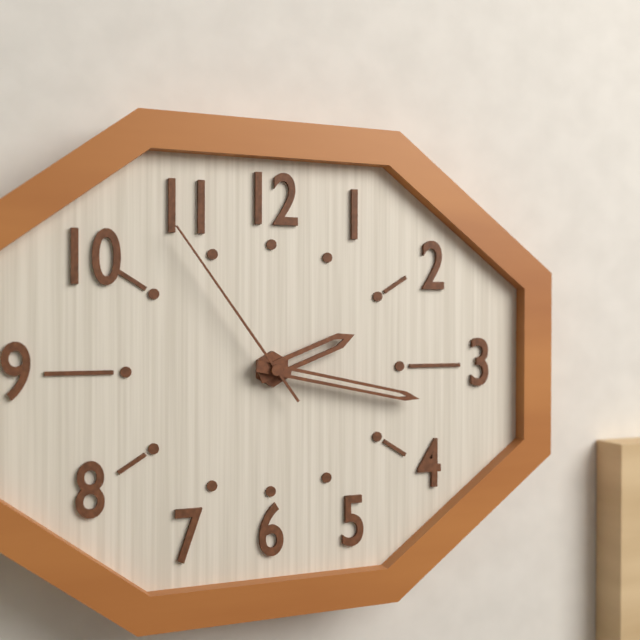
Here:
2,17,54
